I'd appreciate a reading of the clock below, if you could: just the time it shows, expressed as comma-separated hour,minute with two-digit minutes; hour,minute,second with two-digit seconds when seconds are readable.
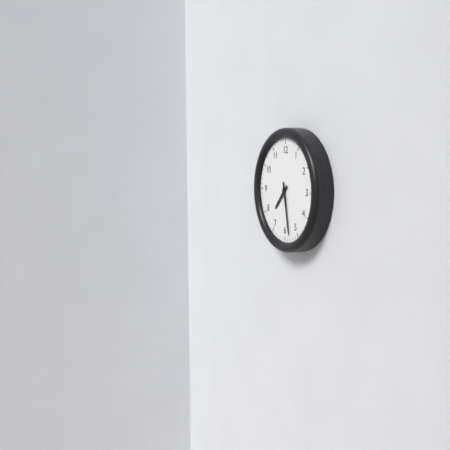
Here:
7,28
